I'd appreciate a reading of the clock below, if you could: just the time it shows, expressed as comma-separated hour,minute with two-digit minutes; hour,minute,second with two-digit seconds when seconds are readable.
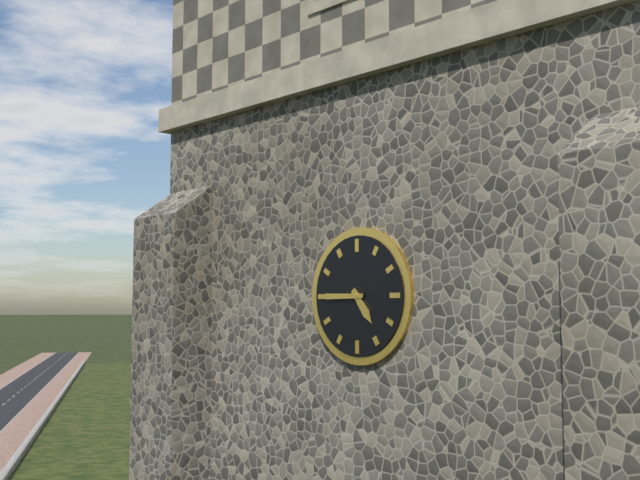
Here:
4,45
